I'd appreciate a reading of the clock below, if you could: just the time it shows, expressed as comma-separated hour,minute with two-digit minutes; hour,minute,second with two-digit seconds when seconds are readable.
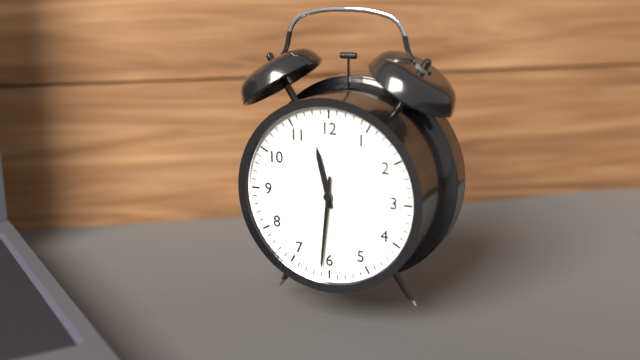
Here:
11,31
